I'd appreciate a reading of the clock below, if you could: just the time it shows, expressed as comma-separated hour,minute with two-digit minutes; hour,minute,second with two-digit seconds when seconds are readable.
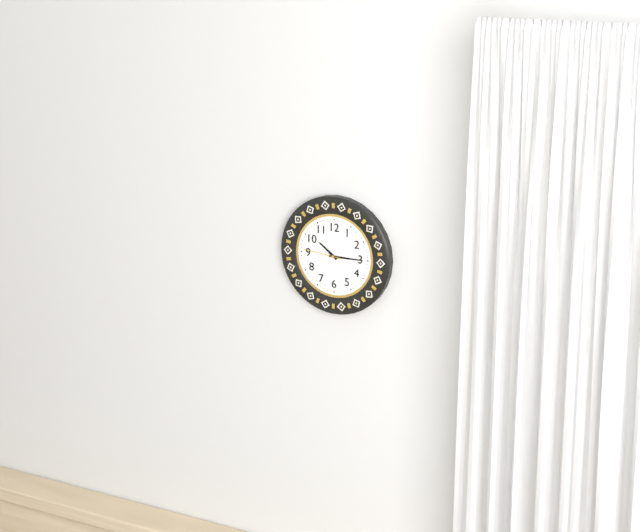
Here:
10,15
